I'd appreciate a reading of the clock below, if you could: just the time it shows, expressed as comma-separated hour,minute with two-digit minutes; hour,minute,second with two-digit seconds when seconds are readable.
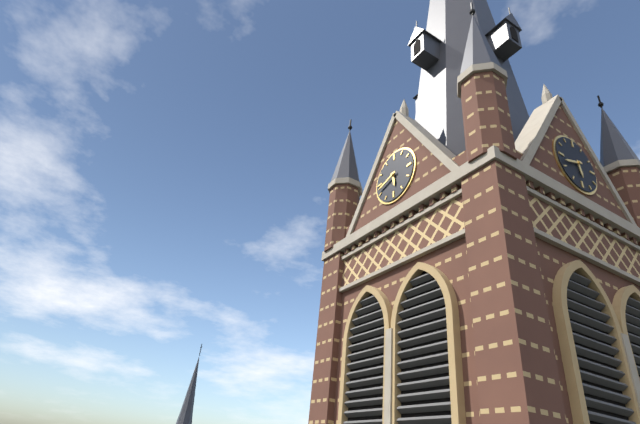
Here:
5,42
